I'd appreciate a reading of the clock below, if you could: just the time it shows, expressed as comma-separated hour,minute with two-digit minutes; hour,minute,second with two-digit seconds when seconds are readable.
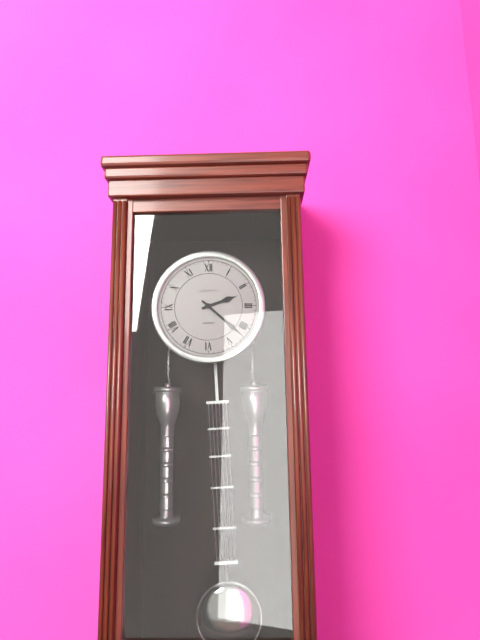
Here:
2,22
